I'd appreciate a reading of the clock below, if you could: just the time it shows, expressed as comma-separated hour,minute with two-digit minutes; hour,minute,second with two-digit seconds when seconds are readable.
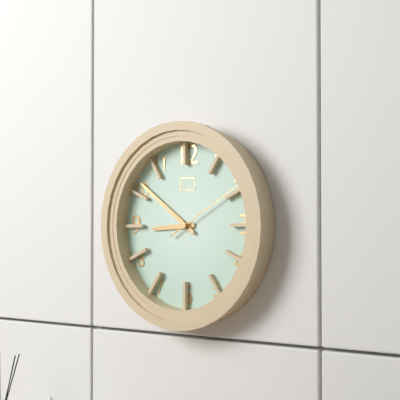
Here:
8,51,10
